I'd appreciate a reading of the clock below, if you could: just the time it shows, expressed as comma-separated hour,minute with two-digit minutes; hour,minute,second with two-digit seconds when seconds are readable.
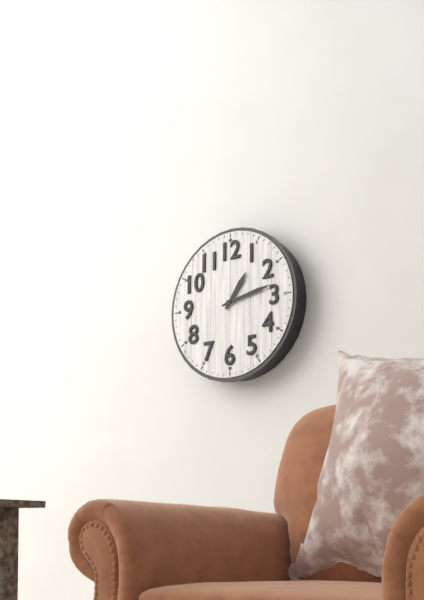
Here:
1,13
